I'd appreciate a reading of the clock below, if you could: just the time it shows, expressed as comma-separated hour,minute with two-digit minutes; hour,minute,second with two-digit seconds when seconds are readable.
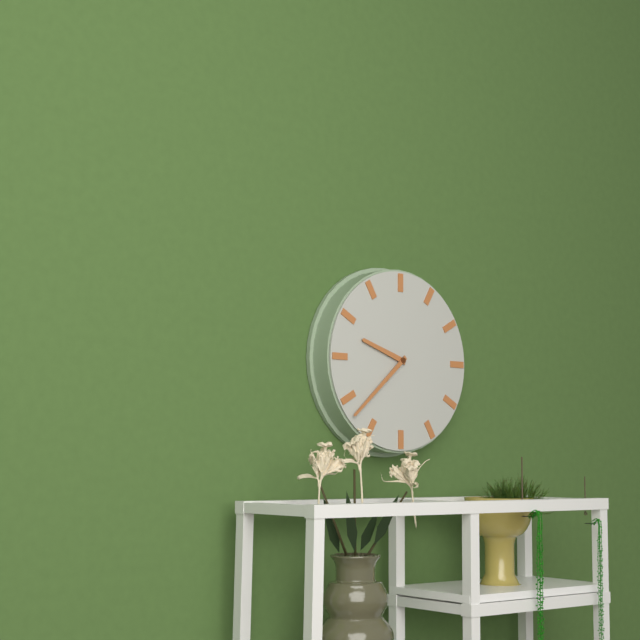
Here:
9,38
